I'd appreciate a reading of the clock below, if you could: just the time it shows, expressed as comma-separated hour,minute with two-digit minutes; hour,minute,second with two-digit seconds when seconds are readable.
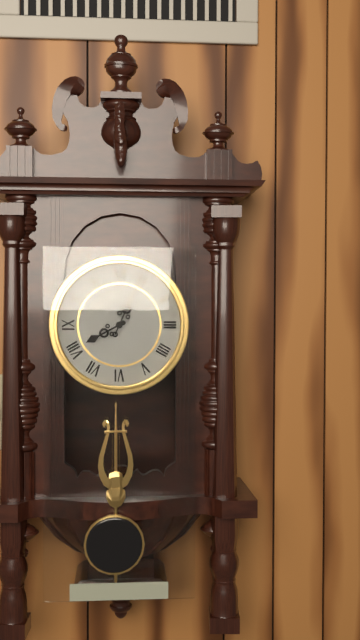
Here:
8,04
